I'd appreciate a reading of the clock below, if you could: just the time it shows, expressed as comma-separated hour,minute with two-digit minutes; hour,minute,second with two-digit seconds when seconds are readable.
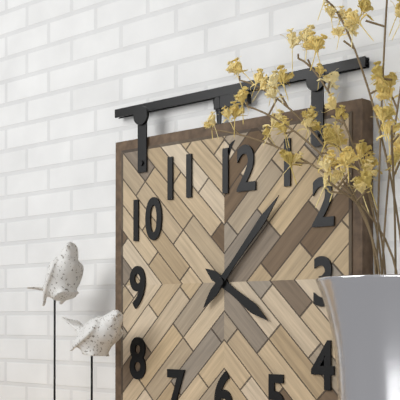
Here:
4,07
